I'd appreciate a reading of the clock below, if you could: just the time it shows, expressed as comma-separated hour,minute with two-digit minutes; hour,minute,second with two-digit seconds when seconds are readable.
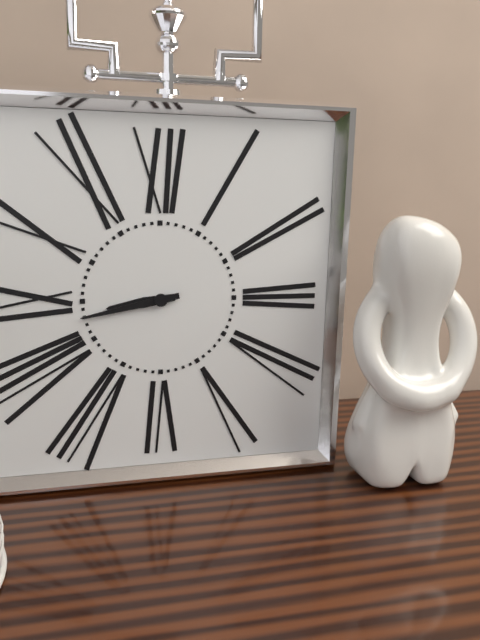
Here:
8,43
